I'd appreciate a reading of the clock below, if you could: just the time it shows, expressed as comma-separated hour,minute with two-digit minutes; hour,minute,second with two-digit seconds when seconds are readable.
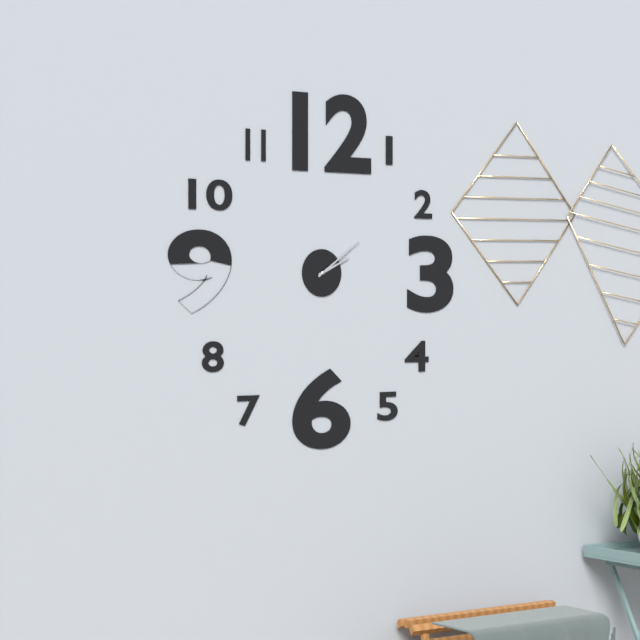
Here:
2,09
